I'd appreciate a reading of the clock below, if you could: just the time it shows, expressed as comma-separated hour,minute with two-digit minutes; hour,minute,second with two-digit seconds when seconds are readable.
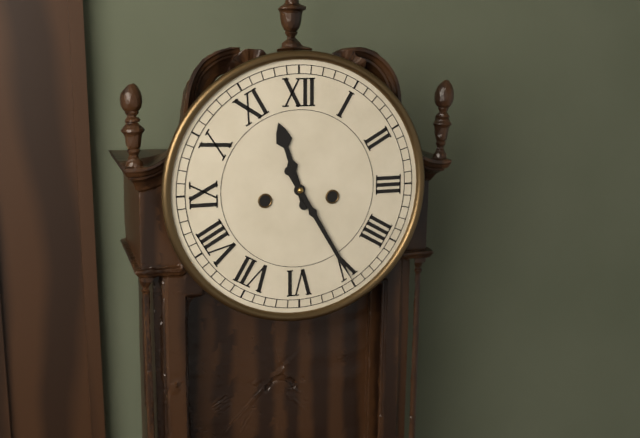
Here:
11,25
